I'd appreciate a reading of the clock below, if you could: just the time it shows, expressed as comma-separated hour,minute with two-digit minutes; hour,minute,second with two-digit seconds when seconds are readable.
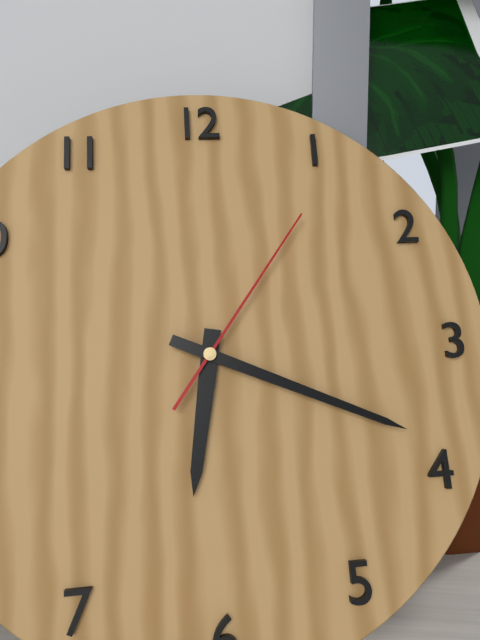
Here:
6,19,06
